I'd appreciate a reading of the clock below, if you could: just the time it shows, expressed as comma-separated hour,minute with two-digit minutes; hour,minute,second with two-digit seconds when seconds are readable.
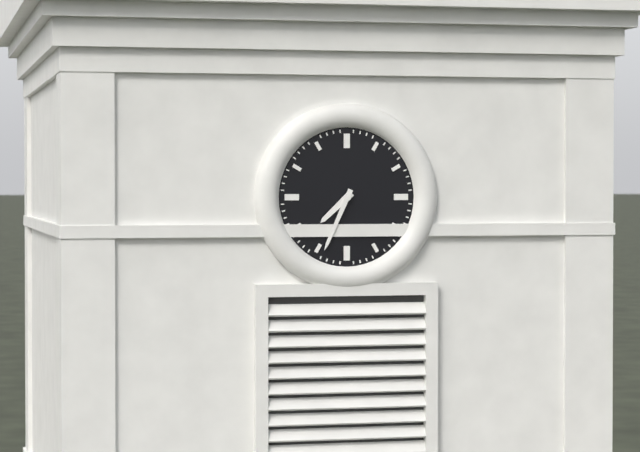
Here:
7,34
